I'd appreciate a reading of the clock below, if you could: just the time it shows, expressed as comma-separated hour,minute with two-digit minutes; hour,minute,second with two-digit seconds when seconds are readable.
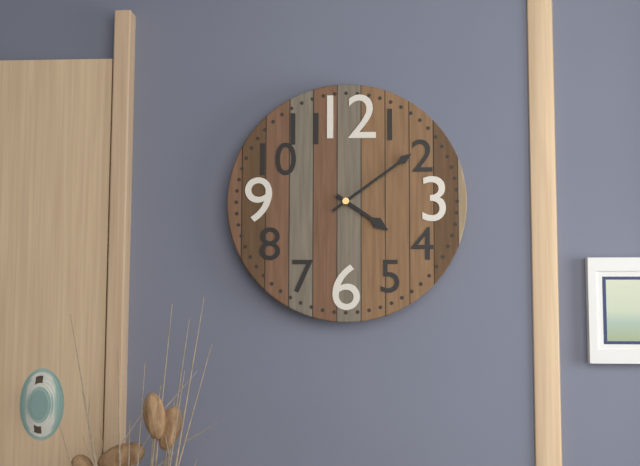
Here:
4,09
